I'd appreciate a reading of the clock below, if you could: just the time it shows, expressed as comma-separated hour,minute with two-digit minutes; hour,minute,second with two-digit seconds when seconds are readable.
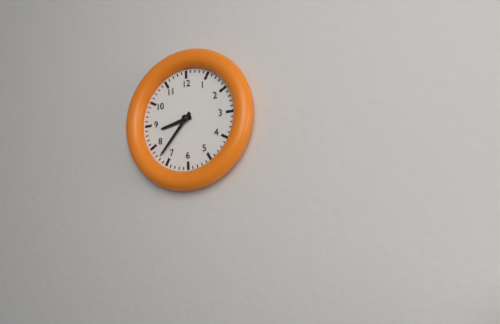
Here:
8,37
